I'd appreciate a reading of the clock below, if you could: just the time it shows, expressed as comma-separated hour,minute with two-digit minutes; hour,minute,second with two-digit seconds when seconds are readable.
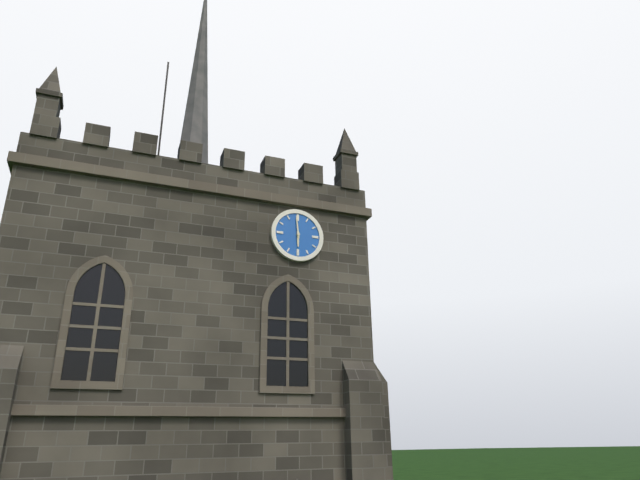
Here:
5,59
